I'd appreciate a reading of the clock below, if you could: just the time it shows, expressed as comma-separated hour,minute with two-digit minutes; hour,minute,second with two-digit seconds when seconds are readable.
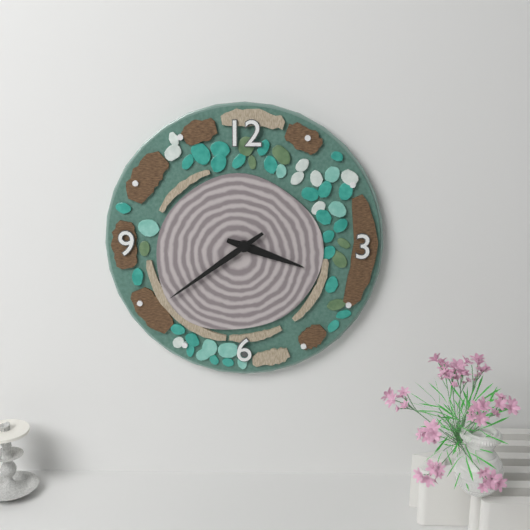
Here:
3,39
